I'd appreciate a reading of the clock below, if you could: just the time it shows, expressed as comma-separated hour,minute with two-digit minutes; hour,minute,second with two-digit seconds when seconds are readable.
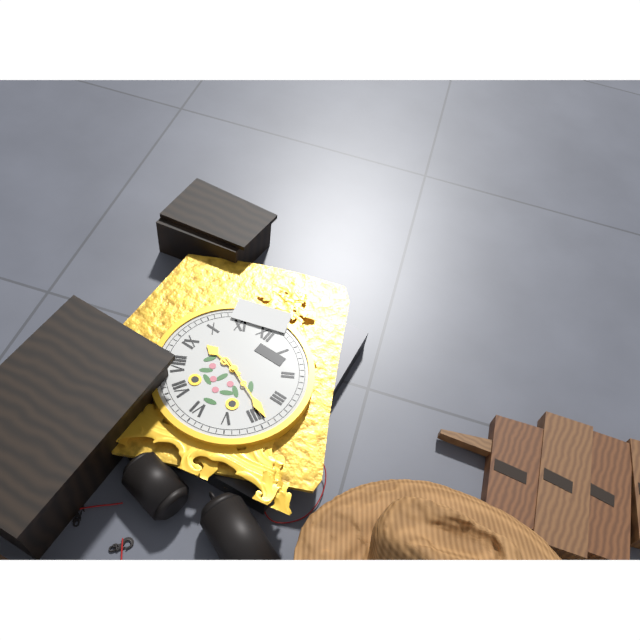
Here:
9,19
